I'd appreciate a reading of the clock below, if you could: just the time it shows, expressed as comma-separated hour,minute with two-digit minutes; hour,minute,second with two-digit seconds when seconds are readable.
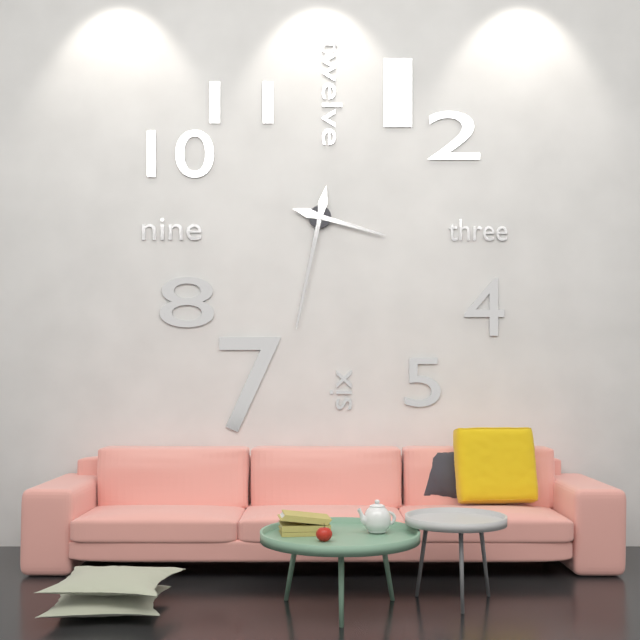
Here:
3,32
